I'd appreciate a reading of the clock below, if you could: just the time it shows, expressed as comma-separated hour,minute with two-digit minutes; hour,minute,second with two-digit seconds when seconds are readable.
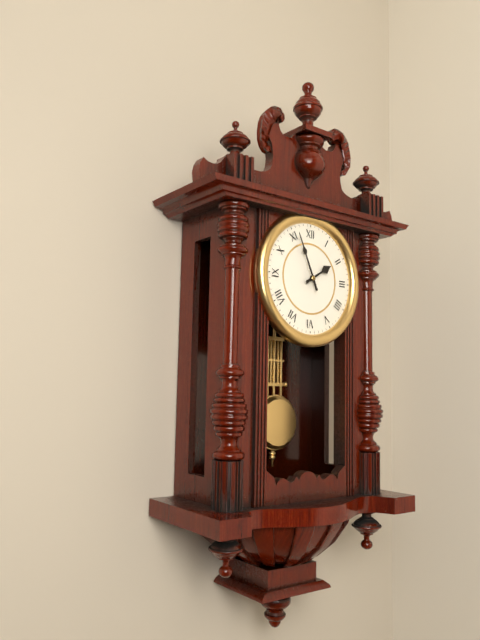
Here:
1,56
